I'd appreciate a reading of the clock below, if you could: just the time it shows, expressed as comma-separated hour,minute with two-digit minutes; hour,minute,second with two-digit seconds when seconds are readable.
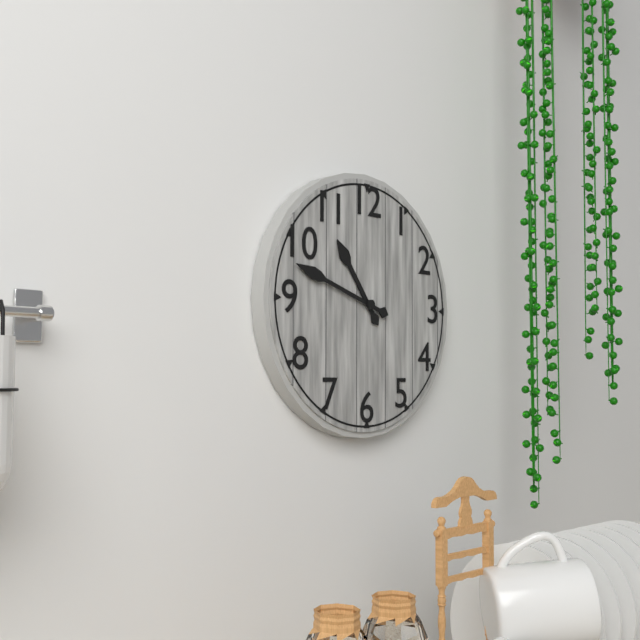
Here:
10,48
